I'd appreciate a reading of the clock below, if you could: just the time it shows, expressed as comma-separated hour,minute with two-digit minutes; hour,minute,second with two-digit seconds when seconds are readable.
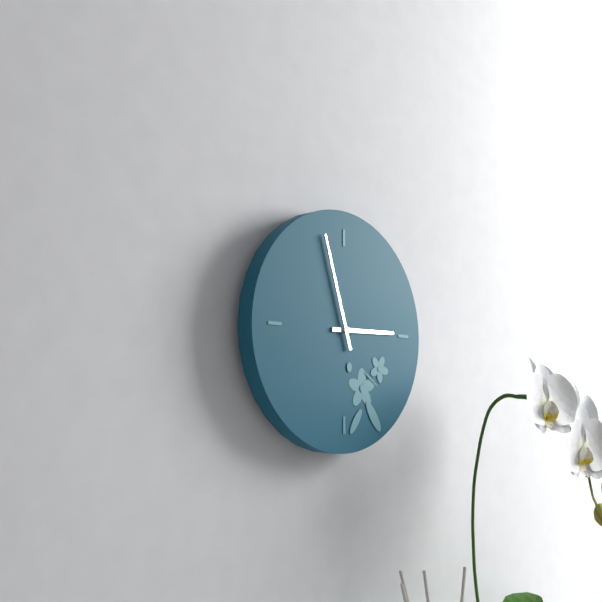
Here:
2,57
